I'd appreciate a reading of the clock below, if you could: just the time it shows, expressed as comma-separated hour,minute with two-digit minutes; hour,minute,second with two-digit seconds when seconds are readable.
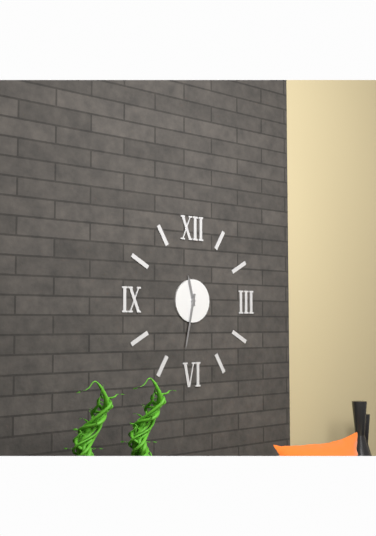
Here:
11,32
